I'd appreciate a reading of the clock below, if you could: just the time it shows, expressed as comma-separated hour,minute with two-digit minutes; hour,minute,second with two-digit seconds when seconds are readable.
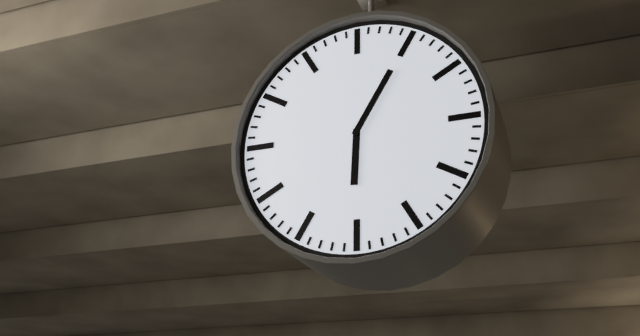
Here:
6,05
